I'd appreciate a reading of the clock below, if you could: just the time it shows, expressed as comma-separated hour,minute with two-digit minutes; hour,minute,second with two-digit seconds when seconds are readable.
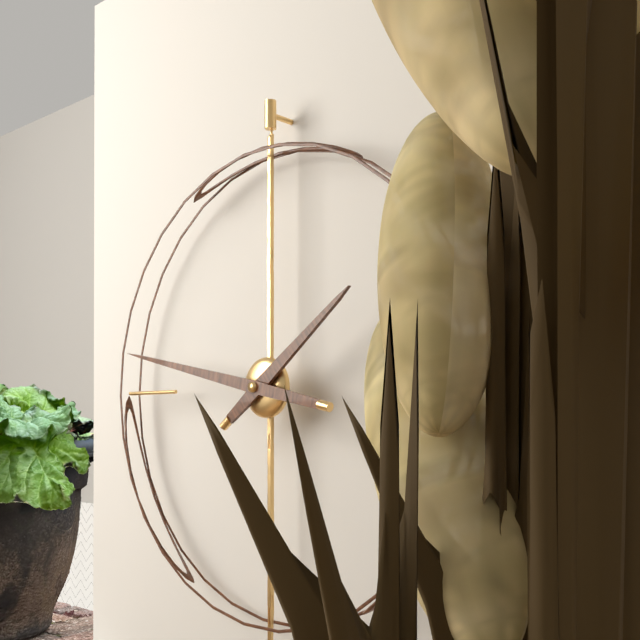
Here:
1,47
